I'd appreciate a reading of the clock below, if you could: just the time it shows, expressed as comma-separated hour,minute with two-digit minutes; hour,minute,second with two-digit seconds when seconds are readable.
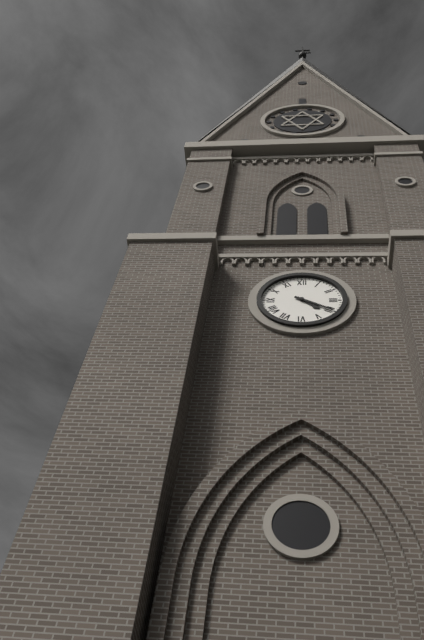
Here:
4,20
